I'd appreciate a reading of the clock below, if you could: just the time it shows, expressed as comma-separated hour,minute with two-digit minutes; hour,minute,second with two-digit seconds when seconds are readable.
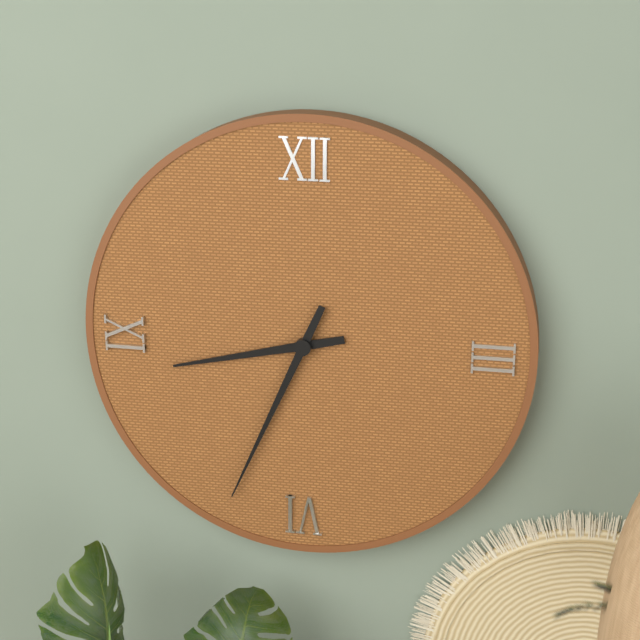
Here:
8,34
